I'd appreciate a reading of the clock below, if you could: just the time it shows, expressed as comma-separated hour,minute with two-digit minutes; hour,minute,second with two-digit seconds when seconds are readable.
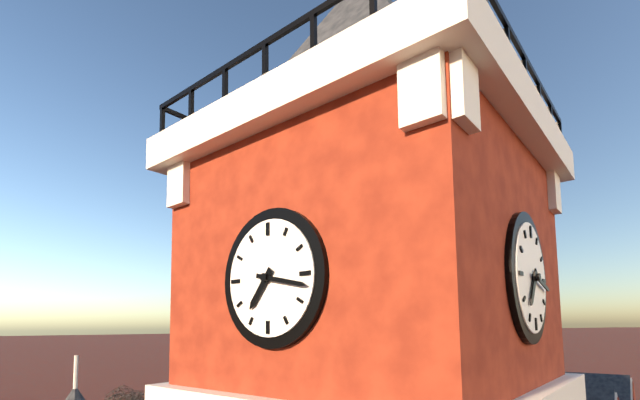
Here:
7,17
